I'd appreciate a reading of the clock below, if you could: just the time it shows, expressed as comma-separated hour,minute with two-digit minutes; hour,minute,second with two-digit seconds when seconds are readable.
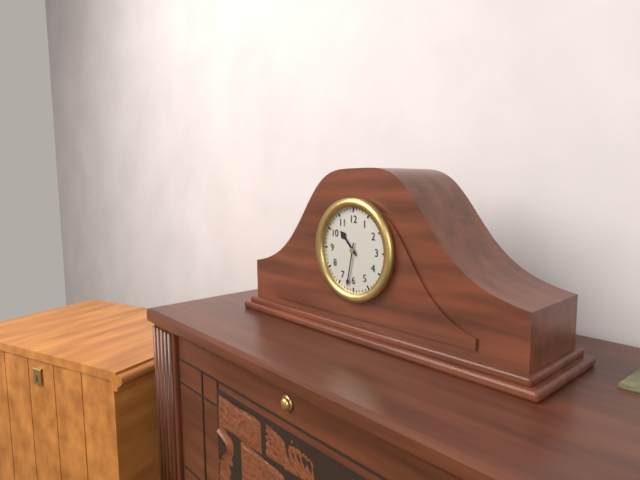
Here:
10,32
